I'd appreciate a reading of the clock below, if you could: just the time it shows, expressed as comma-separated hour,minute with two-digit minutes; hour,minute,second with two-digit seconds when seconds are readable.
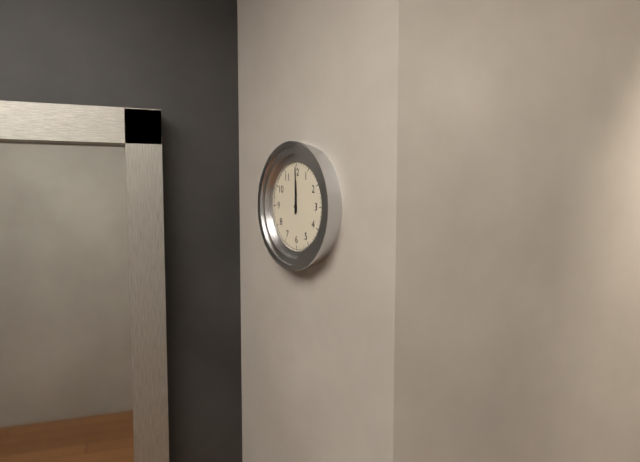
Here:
12,00
